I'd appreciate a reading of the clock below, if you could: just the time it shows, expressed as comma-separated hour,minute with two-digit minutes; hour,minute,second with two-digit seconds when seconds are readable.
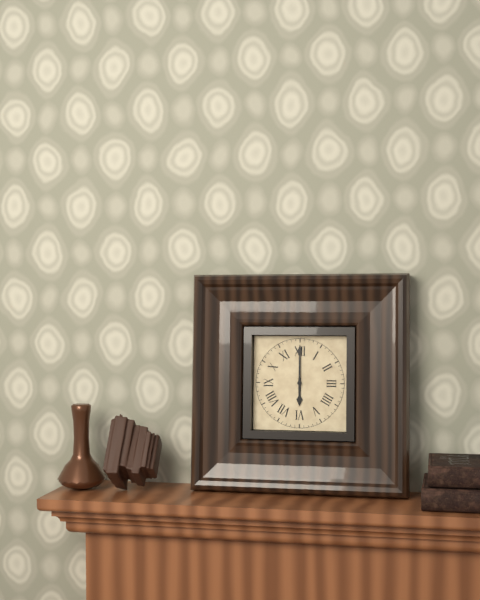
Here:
6,00
